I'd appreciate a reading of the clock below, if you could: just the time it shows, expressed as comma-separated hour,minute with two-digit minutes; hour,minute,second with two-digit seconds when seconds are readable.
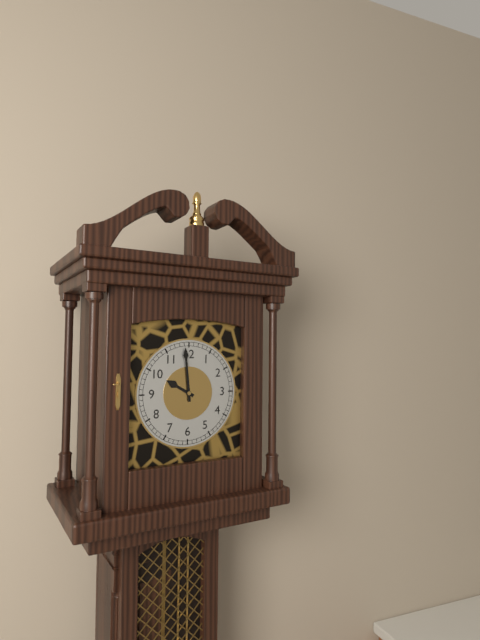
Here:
9,59
